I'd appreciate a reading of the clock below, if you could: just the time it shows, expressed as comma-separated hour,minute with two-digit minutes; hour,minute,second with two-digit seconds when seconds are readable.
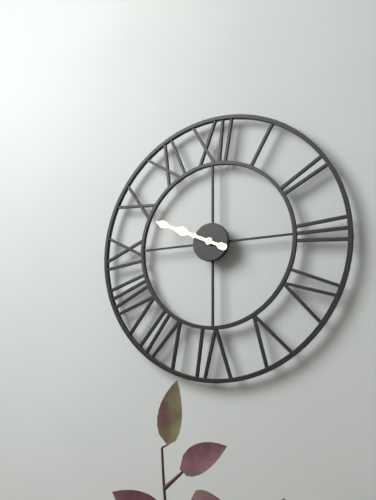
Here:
9,49
